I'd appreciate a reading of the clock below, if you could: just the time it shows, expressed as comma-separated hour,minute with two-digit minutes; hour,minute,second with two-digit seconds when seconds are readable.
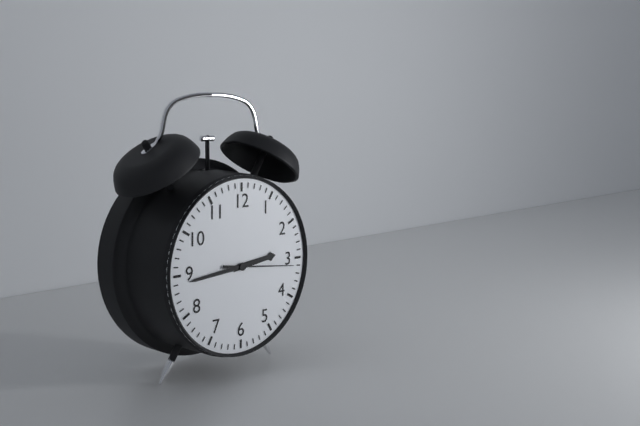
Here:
2,44,16
